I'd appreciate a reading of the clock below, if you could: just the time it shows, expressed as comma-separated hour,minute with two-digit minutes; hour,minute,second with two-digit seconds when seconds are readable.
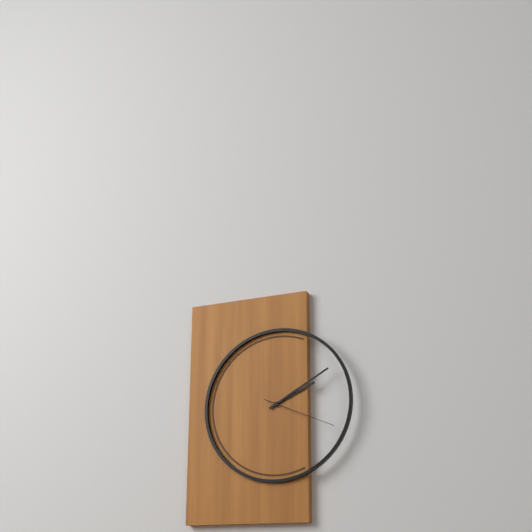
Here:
2,10,19
